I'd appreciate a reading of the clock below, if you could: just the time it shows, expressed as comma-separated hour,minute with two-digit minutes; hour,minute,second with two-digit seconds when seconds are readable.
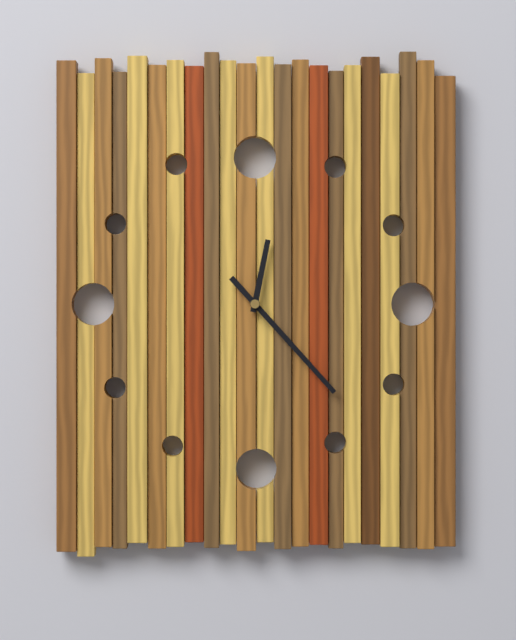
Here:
12,23
